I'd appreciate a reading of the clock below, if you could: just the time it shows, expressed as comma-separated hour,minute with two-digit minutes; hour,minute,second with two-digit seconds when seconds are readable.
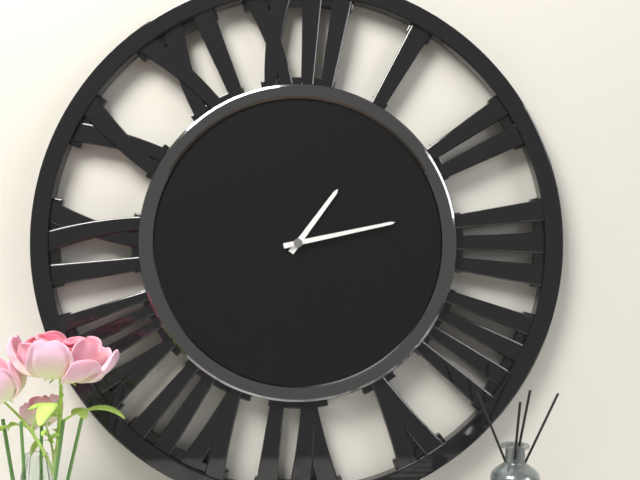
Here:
1,13
